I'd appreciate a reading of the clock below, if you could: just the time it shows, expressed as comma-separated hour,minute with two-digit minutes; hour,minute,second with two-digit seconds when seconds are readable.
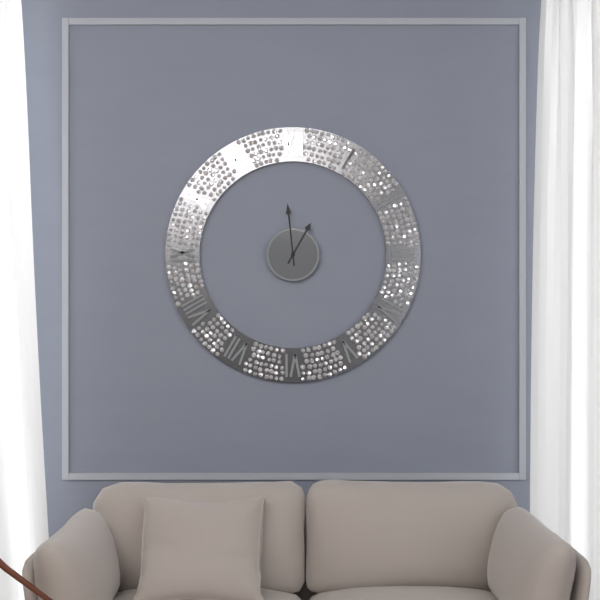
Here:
12,59
